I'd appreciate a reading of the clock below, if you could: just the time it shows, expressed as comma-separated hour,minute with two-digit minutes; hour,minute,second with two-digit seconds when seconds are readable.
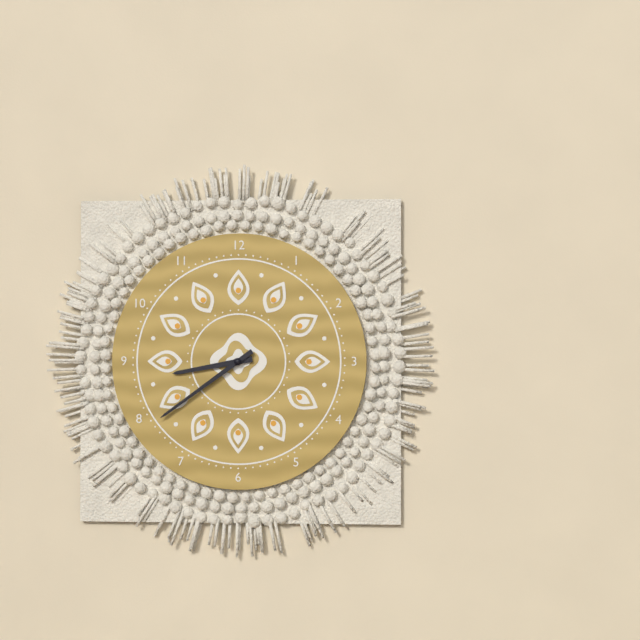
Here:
8,39
